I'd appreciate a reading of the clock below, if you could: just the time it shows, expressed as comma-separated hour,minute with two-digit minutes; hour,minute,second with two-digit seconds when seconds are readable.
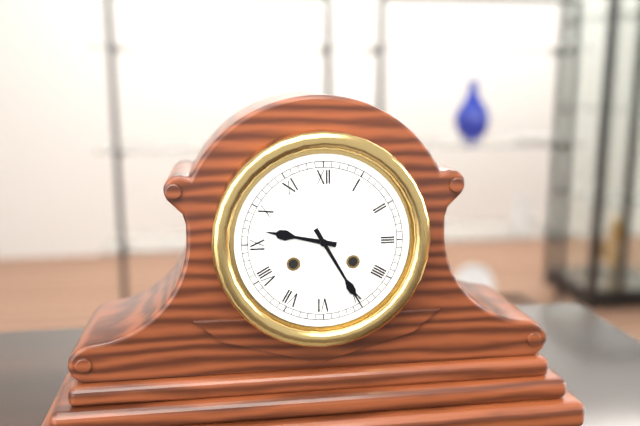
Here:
9,25
